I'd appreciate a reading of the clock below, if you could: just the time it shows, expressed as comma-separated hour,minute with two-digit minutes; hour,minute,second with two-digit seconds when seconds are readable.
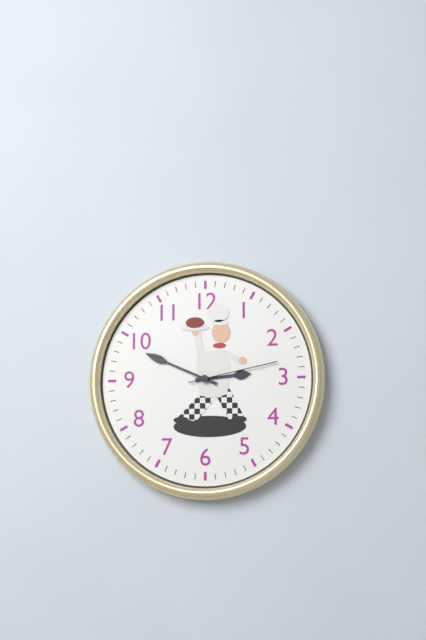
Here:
2,49,13
